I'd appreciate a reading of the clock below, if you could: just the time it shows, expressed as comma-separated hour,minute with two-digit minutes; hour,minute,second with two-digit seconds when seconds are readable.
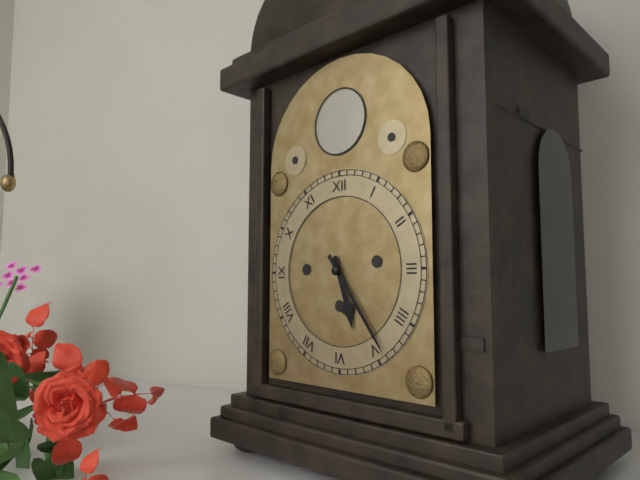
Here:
5,24
